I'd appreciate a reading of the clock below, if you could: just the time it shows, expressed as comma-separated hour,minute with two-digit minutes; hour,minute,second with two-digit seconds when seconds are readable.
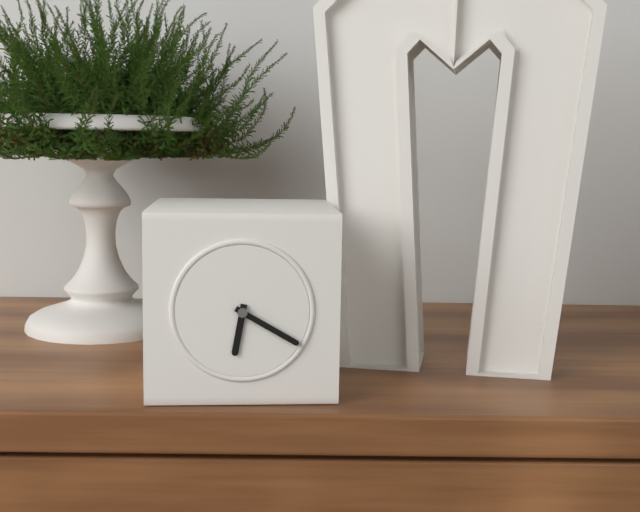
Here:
6,20
